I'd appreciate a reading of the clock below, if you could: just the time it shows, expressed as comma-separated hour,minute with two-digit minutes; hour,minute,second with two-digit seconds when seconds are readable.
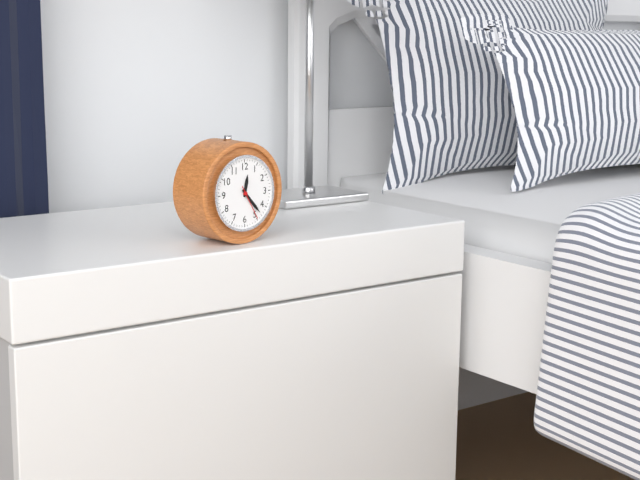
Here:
12,23
